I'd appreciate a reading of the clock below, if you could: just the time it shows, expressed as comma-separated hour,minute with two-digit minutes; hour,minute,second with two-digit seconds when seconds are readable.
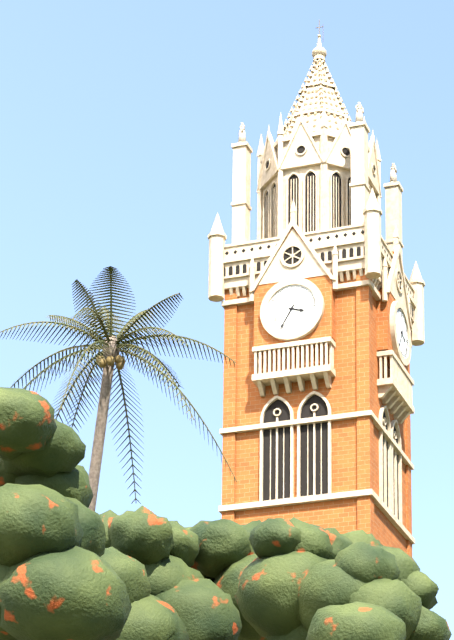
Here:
3,35
